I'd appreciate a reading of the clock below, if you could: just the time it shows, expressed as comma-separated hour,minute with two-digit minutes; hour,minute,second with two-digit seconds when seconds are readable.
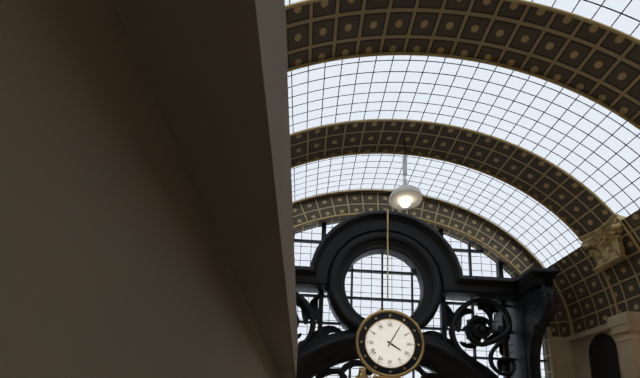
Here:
4,05
